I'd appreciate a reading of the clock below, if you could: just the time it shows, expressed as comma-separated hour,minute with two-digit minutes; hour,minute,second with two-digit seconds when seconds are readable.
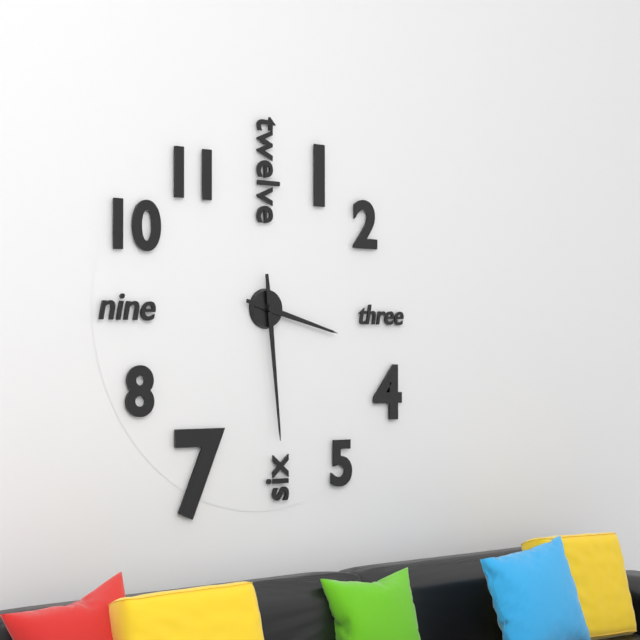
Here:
3,29
